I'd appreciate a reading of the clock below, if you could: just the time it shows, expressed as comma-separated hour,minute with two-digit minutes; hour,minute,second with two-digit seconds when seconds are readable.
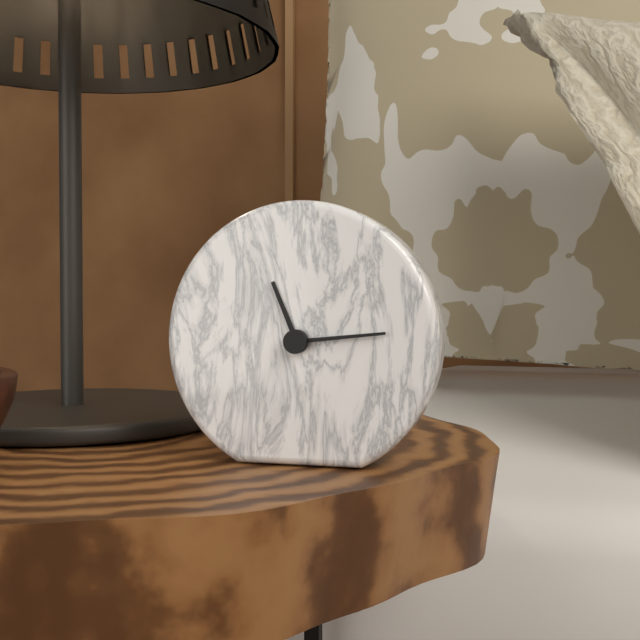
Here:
11,14
